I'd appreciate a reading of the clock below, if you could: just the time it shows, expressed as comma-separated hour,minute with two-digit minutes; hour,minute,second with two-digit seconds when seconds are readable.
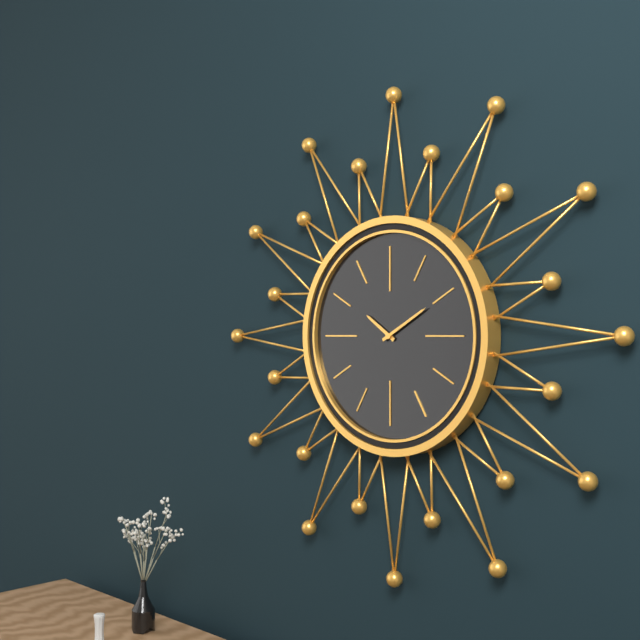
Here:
10,10
